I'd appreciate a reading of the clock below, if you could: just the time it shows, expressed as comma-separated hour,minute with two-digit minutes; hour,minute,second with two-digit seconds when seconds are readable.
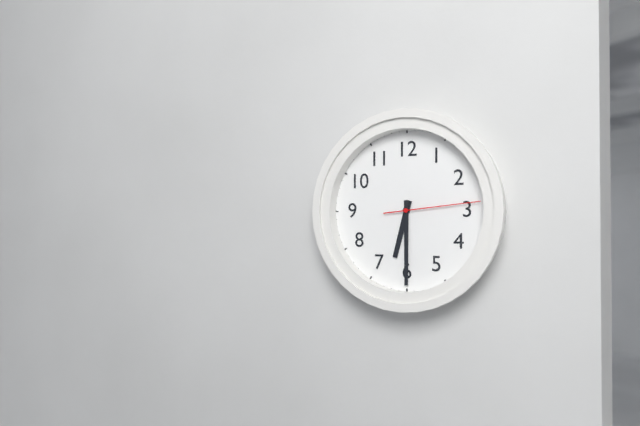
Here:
6,30,14
